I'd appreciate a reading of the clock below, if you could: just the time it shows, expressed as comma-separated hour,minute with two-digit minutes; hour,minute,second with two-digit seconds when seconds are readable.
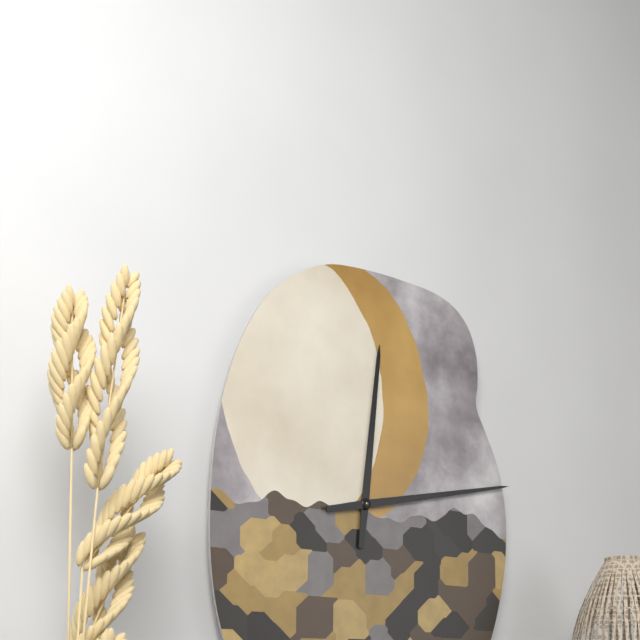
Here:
12,13
